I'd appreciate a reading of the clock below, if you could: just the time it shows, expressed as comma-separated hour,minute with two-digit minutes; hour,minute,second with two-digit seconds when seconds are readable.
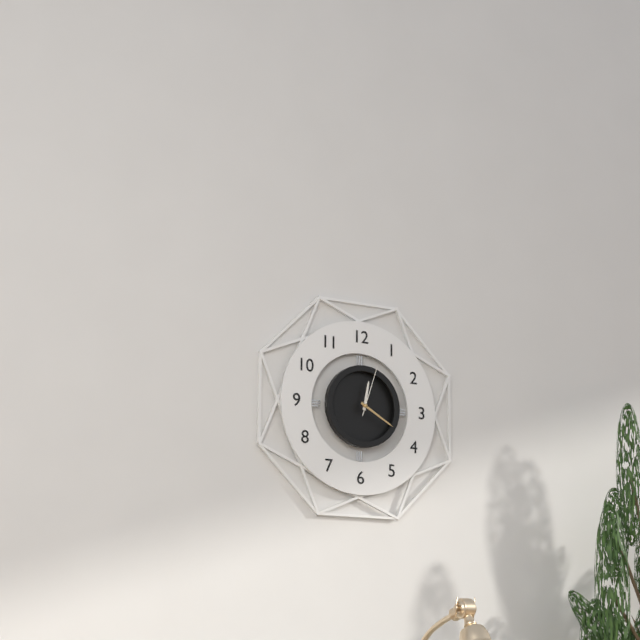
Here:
12,20,03
